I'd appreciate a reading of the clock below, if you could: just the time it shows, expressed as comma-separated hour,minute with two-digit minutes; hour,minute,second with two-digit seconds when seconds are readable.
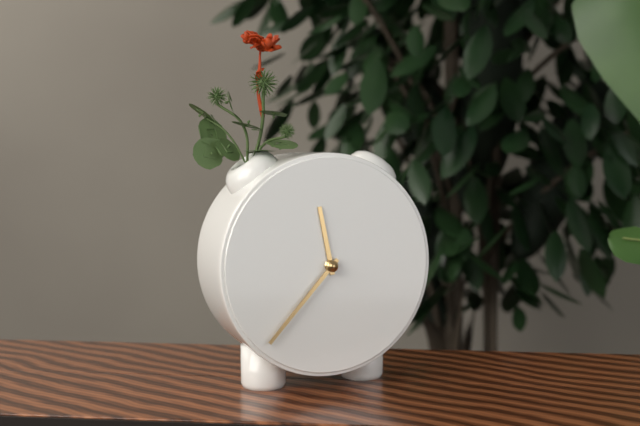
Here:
11,37
